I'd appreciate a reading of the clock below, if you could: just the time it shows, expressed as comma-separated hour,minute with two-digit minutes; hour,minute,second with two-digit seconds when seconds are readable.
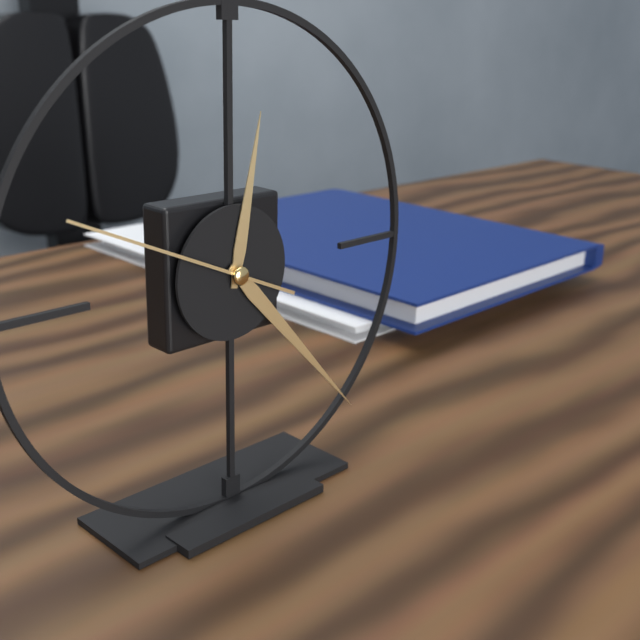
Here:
12,23,49
